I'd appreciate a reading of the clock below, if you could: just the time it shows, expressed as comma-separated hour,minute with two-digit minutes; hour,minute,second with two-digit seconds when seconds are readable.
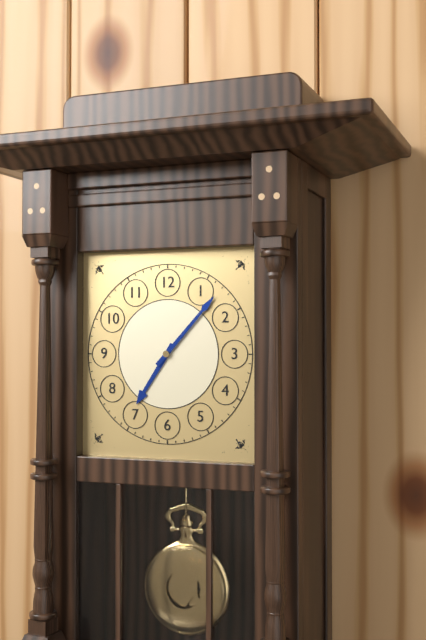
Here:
7,07
